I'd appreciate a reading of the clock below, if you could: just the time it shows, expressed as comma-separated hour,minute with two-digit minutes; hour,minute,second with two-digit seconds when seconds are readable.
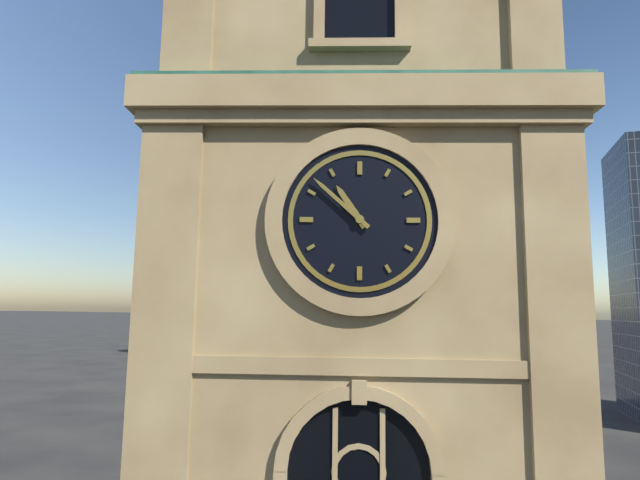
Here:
10,52
